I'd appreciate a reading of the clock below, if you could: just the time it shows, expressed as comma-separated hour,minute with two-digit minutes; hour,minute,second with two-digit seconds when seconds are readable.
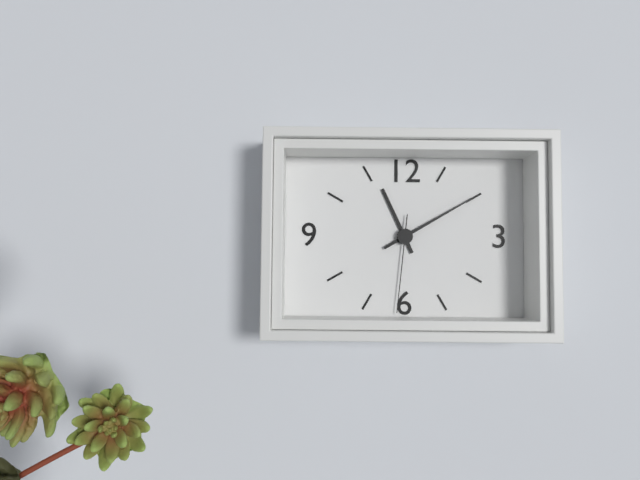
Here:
11,10,31
